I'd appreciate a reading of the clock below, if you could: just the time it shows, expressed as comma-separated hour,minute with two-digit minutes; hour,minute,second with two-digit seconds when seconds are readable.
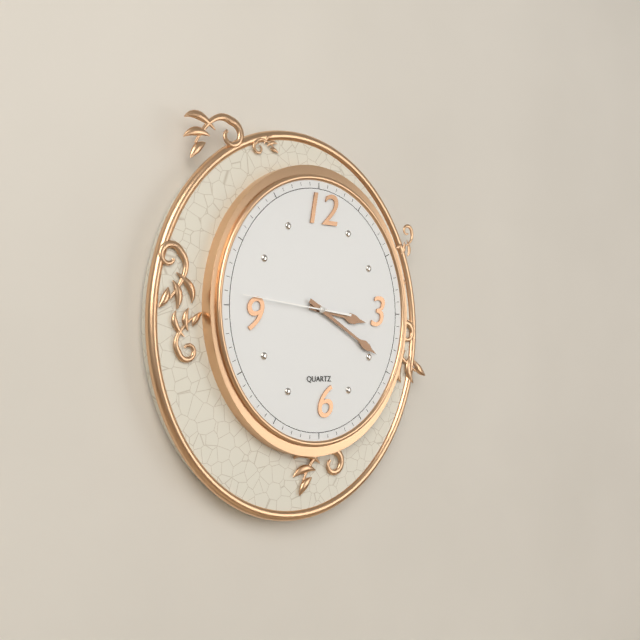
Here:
3,20,46
